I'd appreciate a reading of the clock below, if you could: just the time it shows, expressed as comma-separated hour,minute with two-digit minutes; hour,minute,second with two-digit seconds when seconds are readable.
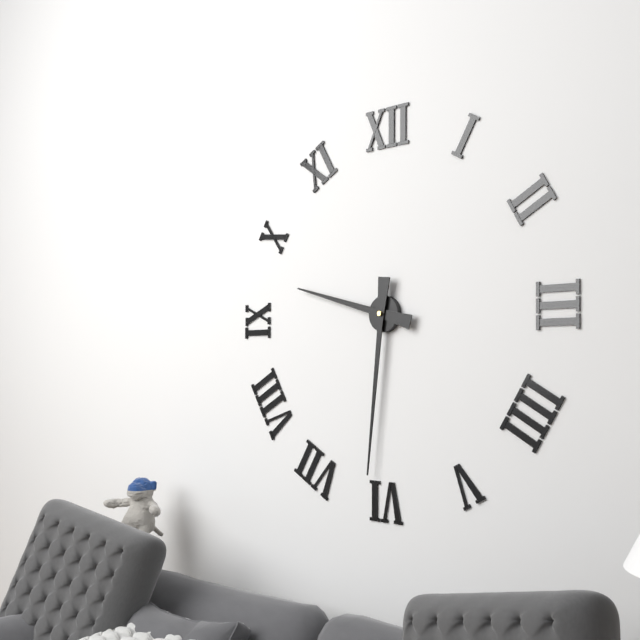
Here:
9,31
